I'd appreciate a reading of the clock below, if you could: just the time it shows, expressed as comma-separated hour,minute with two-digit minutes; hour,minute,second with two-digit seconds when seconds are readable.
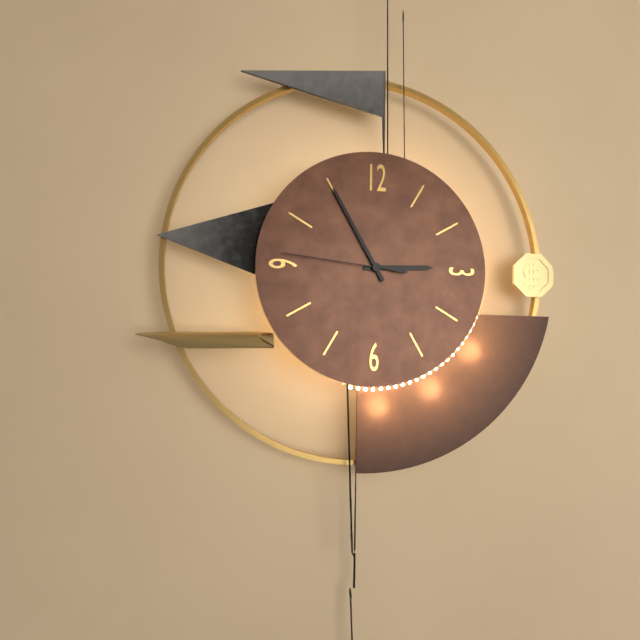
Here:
2,55,46
